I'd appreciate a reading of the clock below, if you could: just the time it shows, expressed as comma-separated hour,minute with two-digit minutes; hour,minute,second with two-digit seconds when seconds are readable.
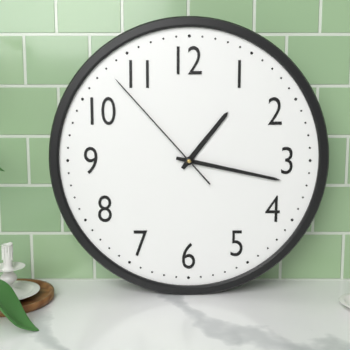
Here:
1,17,53
